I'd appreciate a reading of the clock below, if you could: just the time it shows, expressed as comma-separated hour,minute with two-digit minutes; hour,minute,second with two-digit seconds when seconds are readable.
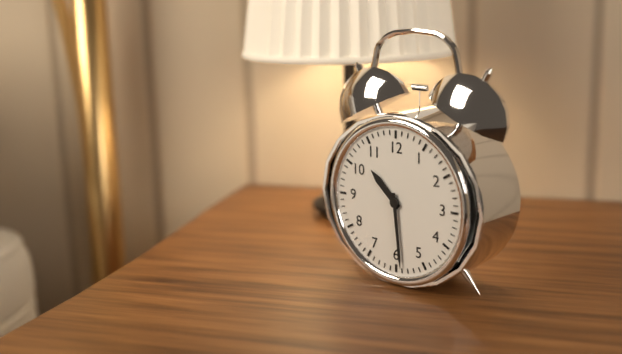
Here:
10,29
